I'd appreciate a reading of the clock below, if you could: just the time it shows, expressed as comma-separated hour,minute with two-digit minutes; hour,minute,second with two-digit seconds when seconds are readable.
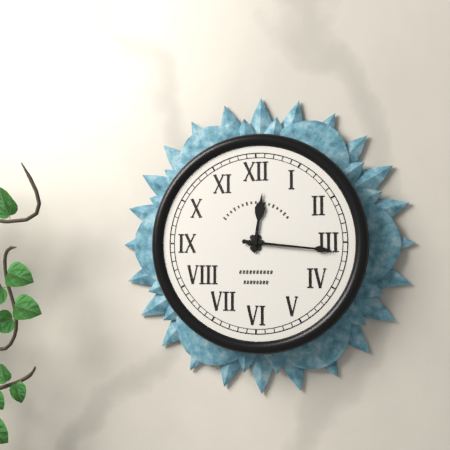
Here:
12,16
